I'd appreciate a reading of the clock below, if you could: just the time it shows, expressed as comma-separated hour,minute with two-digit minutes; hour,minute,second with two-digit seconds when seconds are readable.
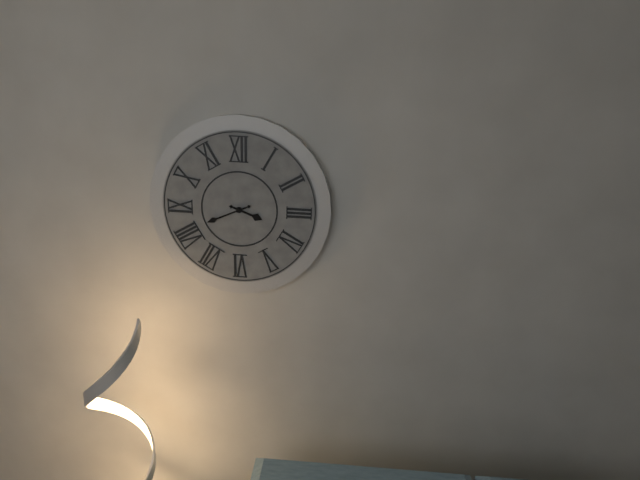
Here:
3,41
